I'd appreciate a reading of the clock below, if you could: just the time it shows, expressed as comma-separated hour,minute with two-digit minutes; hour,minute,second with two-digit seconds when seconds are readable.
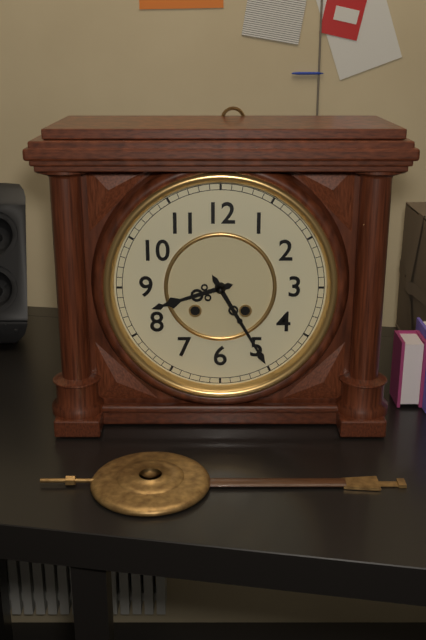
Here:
8,25
